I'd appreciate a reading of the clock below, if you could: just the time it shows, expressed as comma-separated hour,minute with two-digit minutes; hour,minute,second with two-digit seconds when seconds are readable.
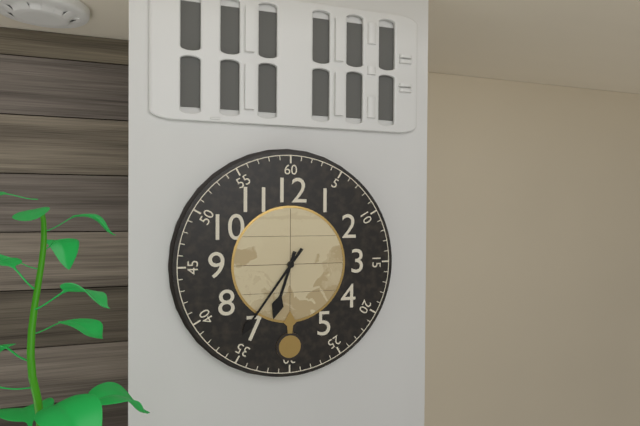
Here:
6,36
